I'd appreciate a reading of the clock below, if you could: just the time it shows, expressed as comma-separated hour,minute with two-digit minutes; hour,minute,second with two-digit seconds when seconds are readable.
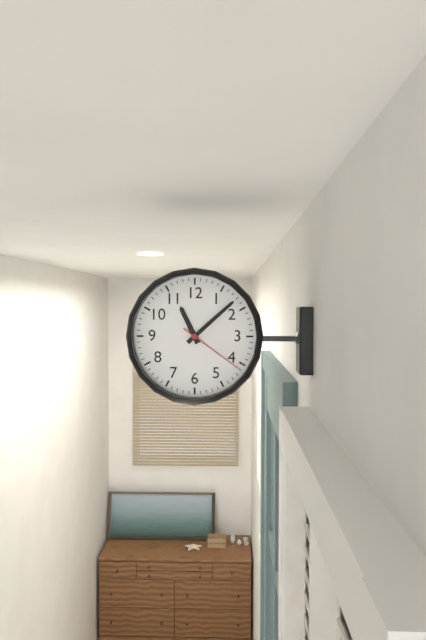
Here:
11,08,21
